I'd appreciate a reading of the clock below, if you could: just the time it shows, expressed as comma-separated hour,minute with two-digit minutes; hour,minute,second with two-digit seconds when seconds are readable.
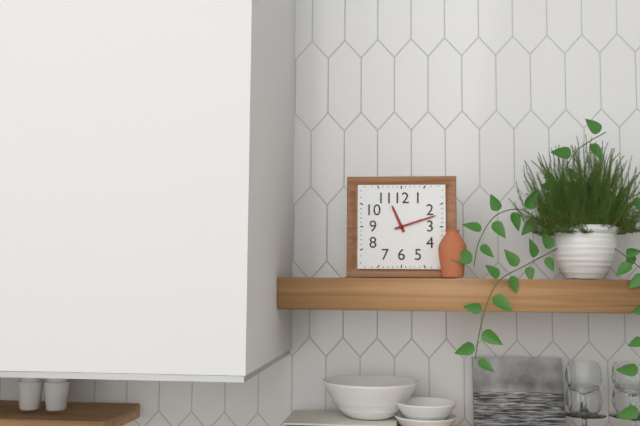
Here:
11,12
